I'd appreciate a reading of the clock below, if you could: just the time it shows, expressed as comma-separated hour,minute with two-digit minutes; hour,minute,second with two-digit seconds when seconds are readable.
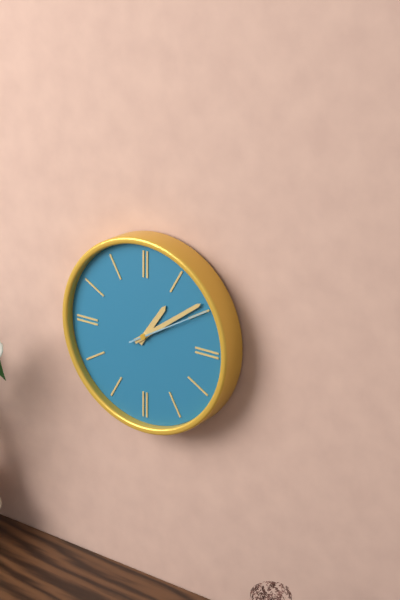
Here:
1,09,10
